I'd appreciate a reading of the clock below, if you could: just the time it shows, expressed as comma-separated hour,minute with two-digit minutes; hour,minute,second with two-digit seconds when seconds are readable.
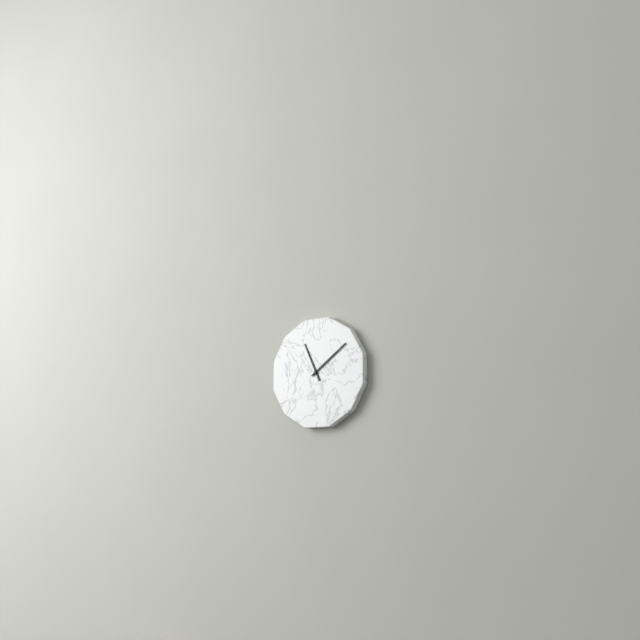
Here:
11,09
